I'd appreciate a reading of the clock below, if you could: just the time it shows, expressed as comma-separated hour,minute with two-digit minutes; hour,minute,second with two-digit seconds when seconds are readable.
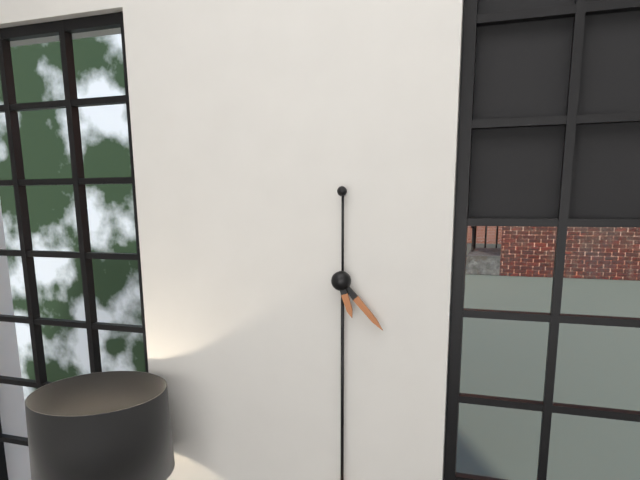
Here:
5,23
